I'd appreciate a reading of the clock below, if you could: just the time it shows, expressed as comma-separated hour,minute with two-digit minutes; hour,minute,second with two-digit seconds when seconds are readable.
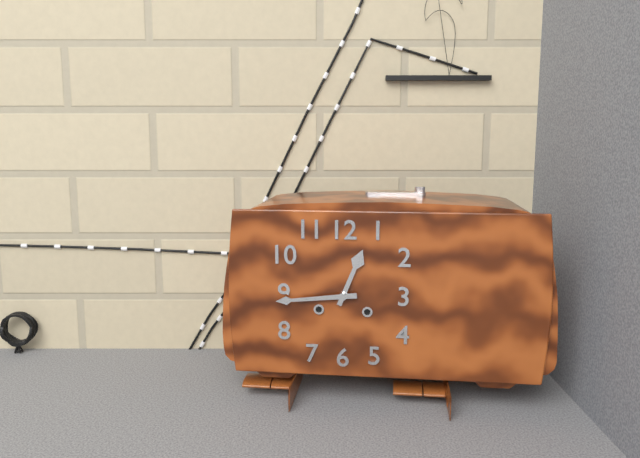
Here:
12,44
